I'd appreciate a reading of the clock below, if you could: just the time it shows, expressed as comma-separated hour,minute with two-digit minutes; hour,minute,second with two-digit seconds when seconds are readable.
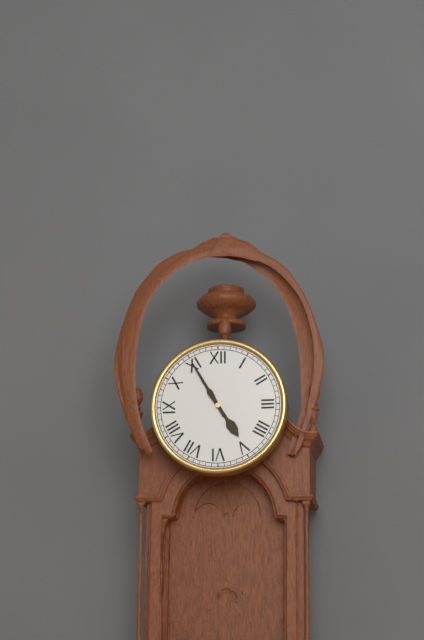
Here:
4,55
